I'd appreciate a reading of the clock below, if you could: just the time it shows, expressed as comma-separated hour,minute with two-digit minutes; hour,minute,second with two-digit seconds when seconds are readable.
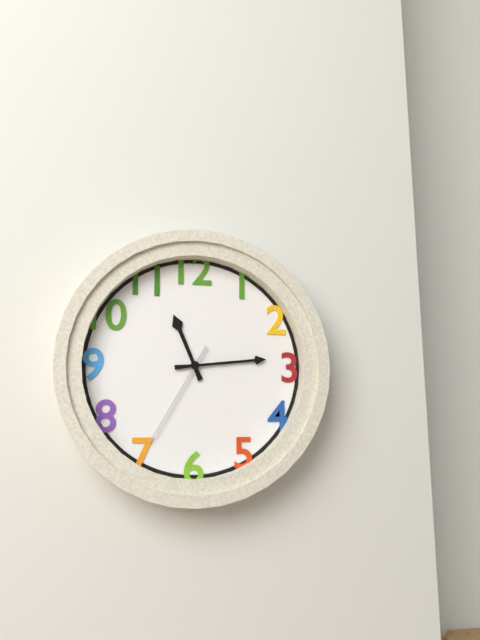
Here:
11,14,35
